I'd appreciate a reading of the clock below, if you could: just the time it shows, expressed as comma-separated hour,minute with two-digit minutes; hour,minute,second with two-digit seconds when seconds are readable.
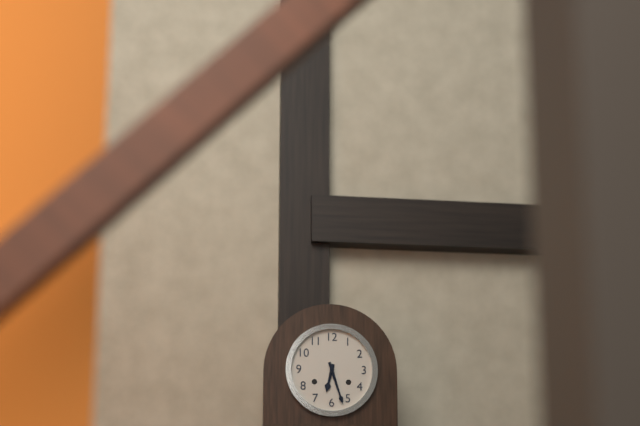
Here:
6,27
